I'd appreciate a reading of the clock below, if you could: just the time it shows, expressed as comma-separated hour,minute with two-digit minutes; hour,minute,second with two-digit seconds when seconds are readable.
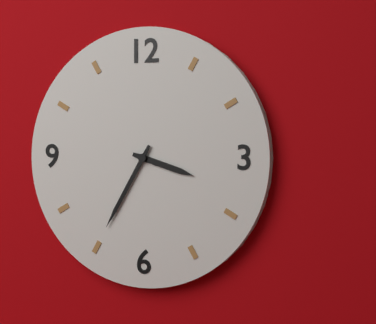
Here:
3,35
